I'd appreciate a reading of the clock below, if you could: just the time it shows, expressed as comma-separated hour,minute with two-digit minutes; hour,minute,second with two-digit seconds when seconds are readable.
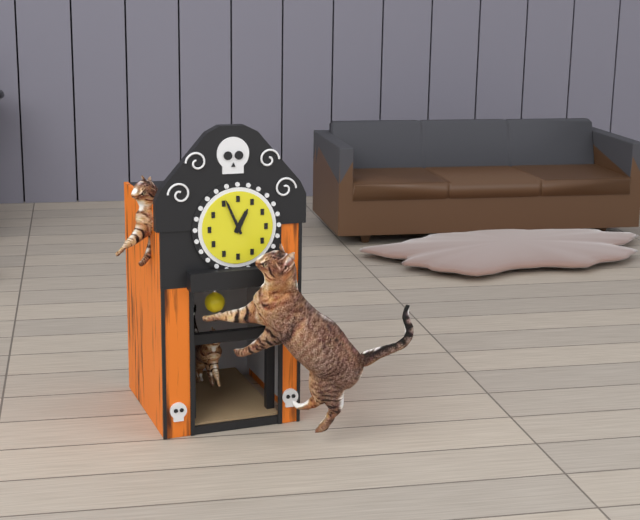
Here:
12,56
